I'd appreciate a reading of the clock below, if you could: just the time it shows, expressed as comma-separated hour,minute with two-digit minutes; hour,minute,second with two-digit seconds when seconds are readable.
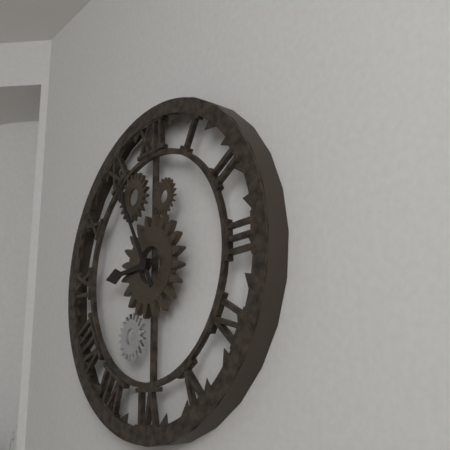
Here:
8,55
